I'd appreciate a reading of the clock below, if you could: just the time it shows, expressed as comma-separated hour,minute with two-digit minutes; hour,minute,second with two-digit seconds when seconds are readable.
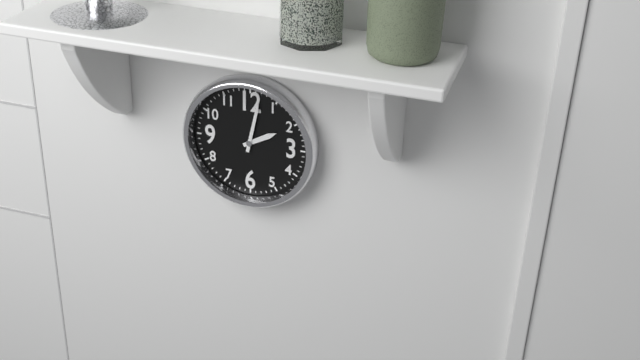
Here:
2,02
